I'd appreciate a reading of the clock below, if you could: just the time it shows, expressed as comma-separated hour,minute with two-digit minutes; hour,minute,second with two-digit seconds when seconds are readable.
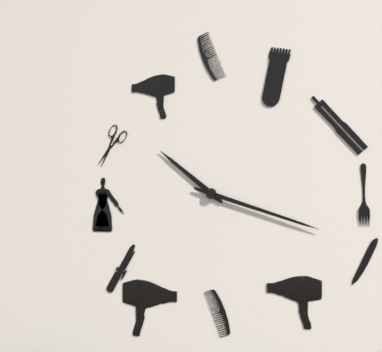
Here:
10,18
